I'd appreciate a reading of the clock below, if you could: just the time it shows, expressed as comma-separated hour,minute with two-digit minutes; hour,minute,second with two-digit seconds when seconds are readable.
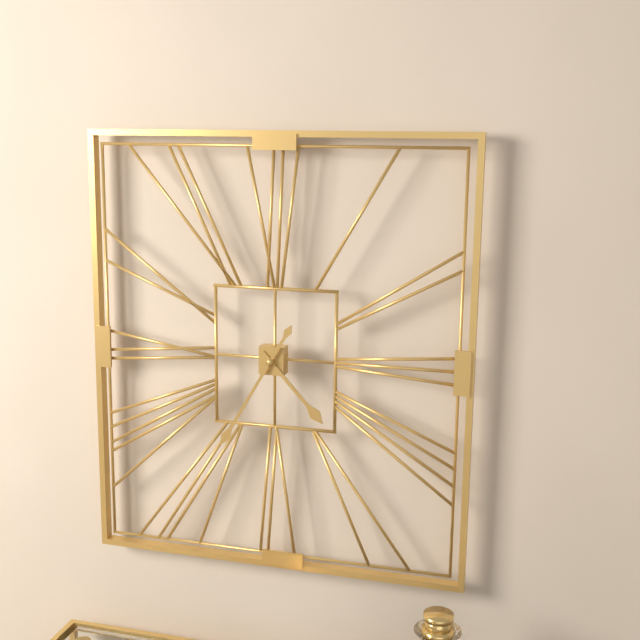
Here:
4,35
